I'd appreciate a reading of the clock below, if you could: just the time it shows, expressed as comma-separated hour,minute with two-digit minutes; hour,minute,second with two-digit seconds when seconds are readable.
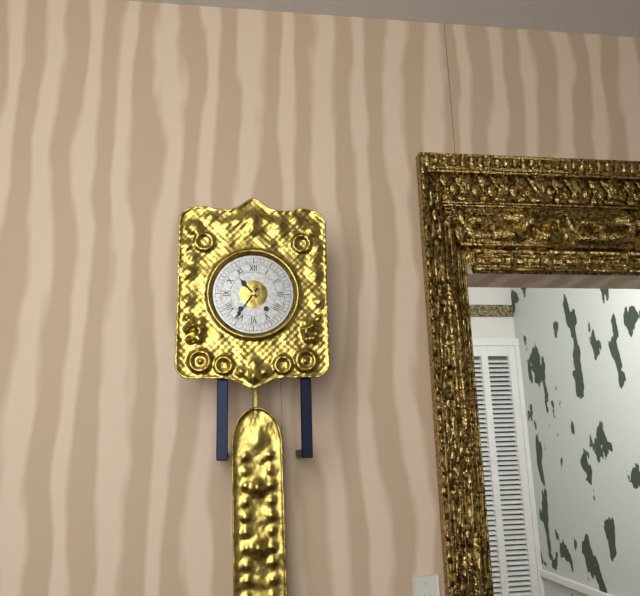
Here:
10,36
